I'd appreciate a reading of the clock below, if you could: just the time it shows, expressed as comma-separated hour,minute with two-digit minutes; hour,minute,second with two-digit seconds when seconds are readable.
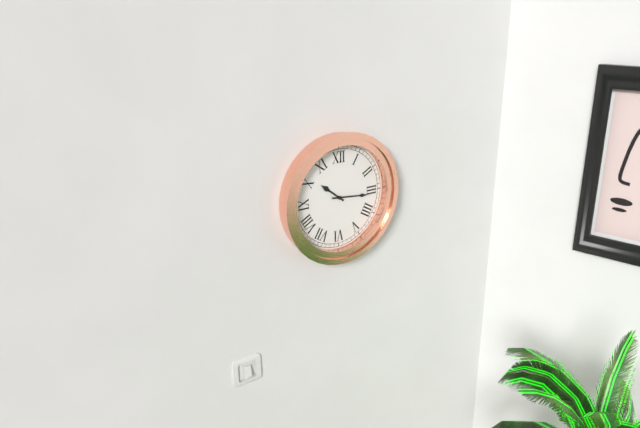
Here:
10,16
